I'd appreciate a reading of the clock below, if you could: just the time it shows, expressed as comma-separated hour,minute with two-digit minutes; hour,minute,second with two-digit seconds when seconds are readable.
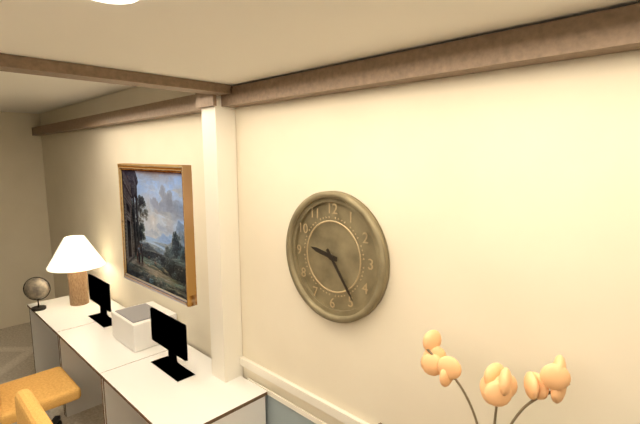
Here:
9,24
